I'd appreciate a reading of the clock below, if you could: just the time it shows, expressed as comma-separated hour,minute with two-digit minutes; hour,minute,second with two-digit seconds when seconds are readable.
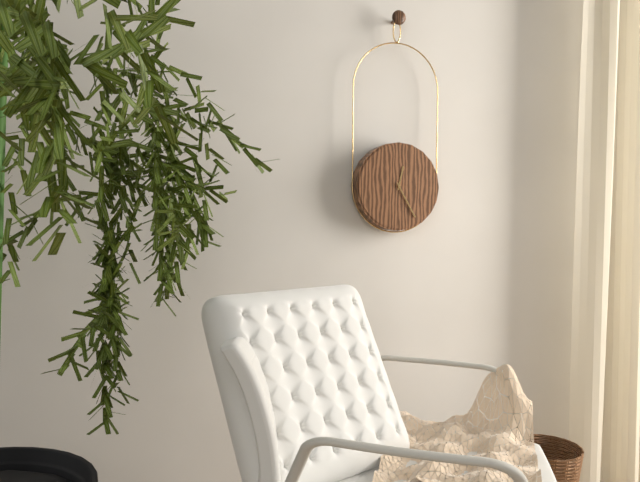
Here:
12,25
